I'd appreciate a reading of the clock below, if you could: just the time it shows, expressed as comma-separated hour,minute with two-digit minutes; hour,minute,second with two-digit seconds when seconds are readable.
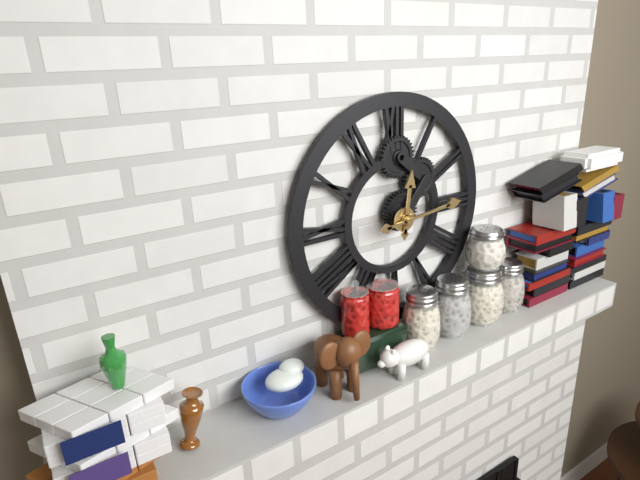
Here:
12,14
